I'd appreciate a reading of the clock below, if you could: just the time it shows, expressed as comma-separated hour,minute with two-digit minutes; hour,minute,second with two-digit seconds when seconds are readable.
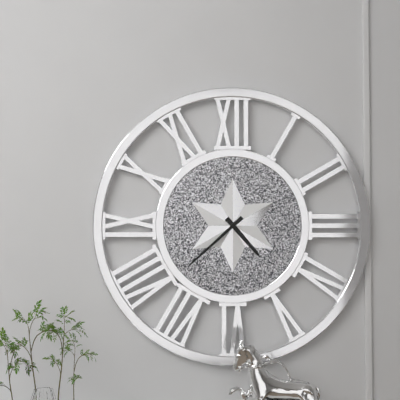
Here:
4,38
